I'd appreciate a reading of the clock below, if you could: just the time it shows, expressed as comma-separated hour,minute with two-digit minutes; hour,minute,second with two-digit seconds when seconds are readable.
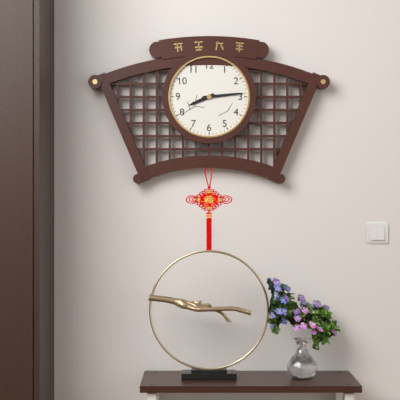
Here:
8,14
